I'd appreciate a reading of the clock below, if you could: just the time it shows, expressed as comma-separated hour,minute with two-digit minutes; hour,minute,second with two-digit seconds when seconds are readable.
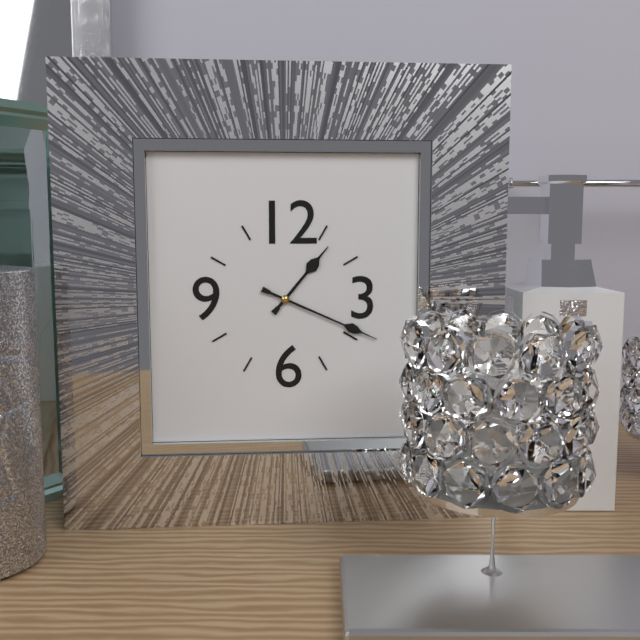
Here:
1,19
